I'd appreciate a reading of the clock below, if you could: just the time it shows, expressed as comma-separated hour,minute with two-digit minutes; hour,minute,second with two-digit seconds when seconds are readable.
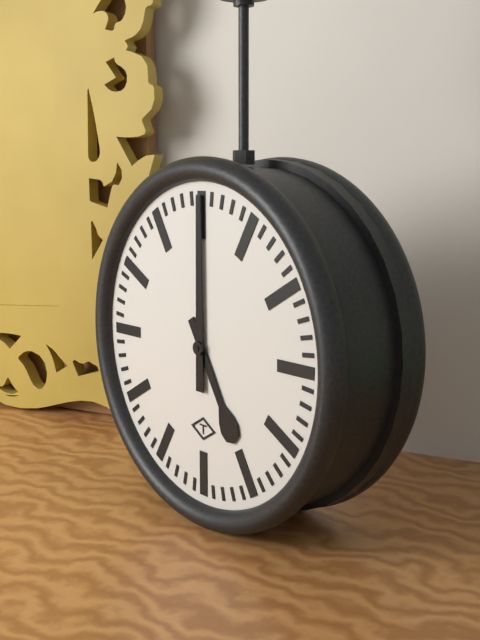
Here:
5,00
